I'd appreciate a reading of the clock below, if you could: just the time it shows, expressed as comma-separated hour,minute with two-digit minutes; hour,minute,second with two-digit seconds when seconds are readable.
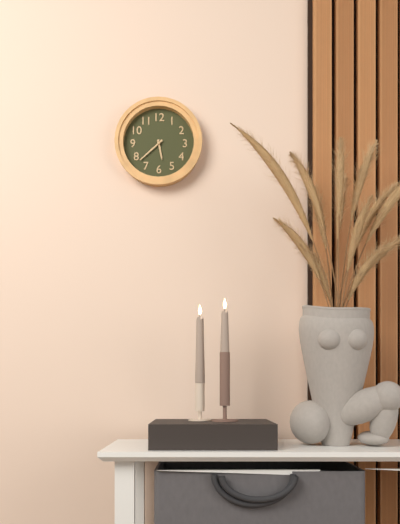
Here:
5,38
